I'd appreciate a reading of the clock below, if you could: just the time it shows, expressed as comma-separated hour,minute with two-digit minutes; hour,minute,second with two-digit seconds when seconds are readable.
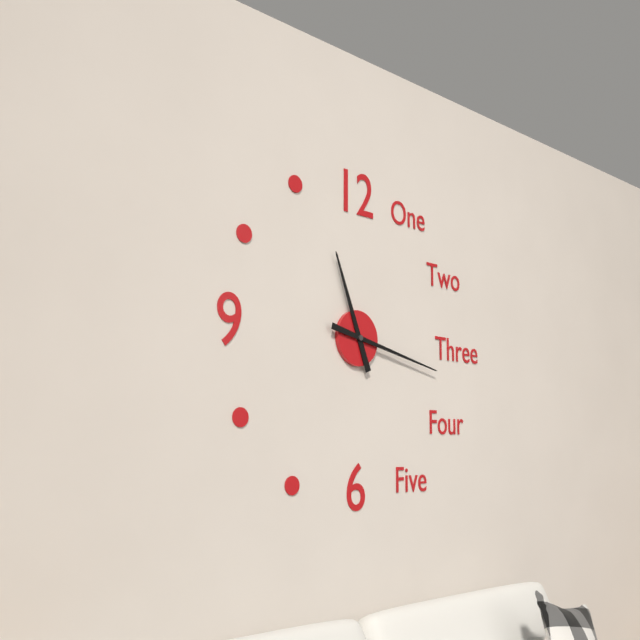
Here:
11,17
